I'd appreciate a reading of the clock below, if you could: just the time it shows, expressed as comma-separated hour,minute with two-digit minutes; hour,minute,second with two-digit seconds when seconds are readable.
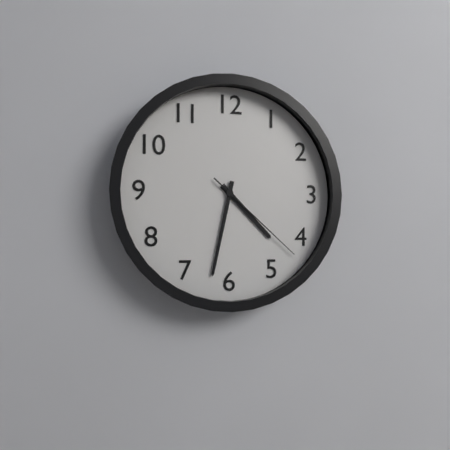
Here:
4,32,22
